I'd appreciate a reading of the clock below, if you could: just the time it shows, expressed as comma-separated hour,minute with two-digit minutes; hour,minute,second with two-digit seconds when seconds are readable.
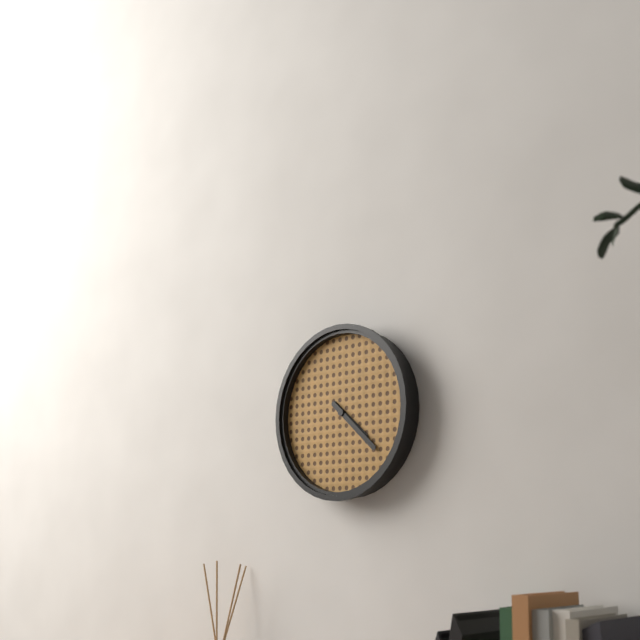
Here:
4,22
